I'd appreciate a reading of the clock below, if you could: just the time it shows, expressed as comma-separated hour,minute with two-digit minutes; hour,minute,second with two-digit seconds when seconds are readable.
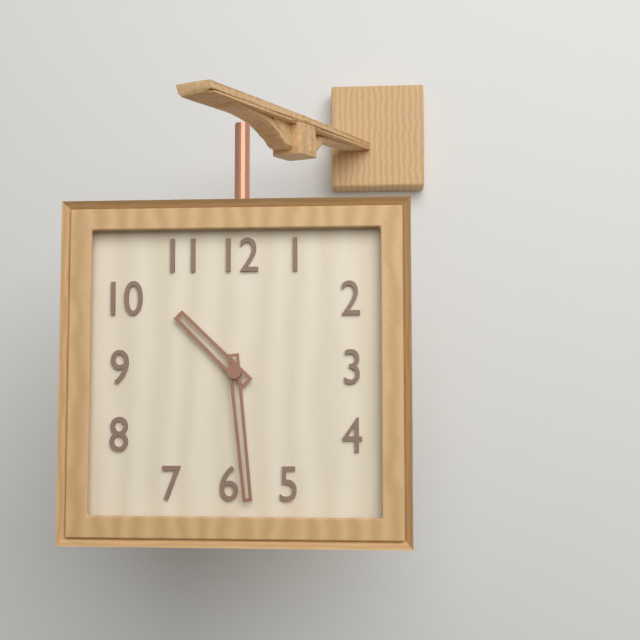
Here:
10,29
